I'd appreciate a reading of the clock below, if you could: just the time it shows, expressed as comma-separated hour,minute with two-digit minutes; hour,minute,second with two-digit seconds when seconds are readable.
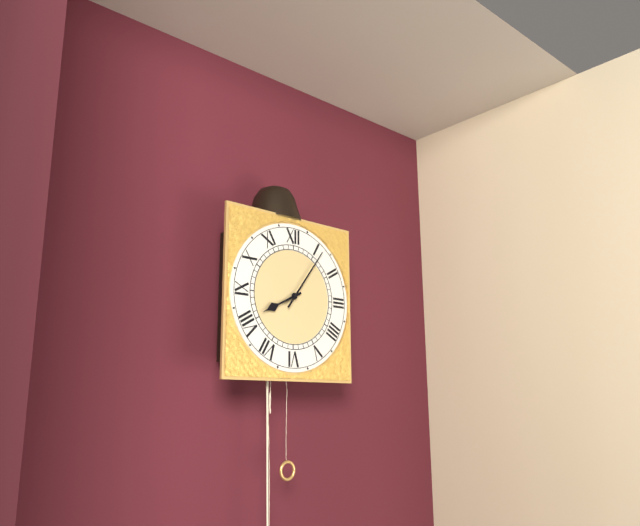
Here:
8,06
